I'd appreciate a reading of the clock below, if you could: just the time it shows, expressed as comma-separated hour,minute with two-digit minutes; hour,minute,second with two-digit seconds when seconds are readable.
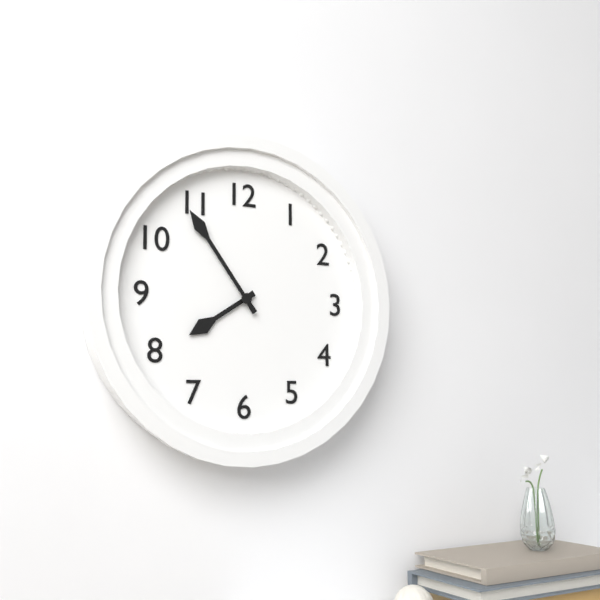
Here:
7,54
